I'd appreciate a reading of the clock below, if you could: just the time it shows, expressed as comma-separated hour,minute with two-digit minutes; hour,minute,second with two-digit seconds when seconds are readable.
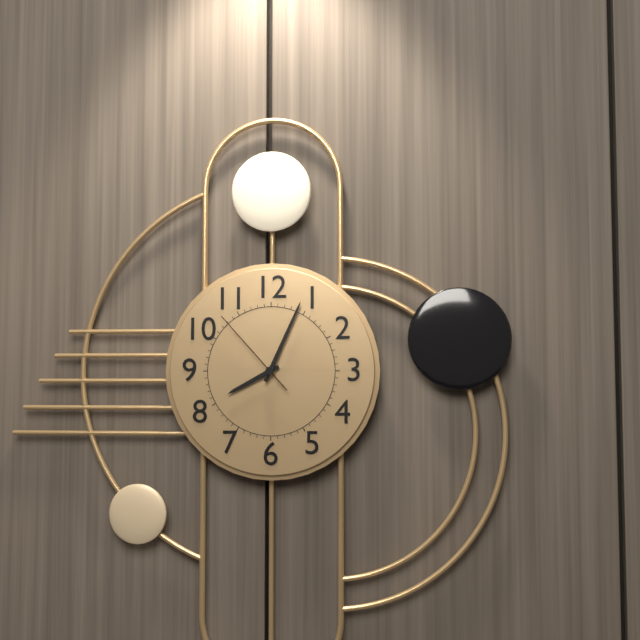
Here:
8,04,53
